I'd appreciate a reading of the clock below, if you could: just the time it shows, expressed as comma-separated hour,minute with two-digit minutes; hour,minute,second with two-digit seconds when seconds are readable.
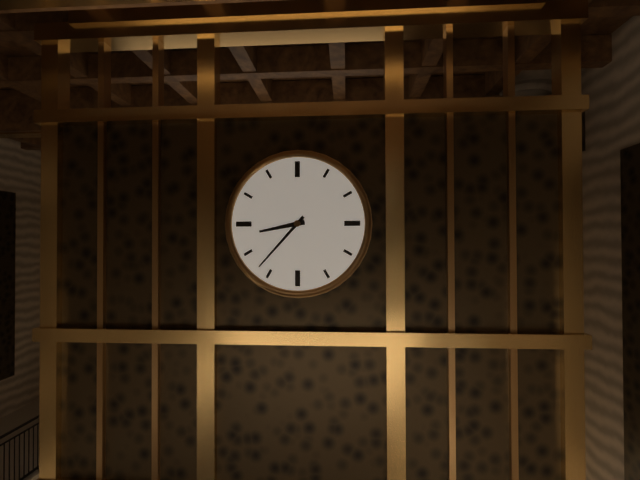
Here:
8,37
